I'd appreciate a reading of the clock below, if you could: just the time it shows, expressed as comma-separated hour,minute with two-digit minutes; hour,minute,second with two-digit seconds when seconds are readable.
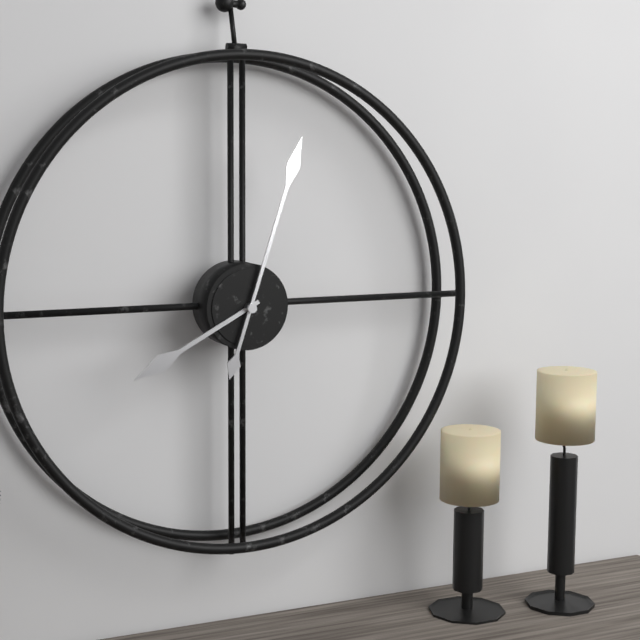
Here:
8,03
